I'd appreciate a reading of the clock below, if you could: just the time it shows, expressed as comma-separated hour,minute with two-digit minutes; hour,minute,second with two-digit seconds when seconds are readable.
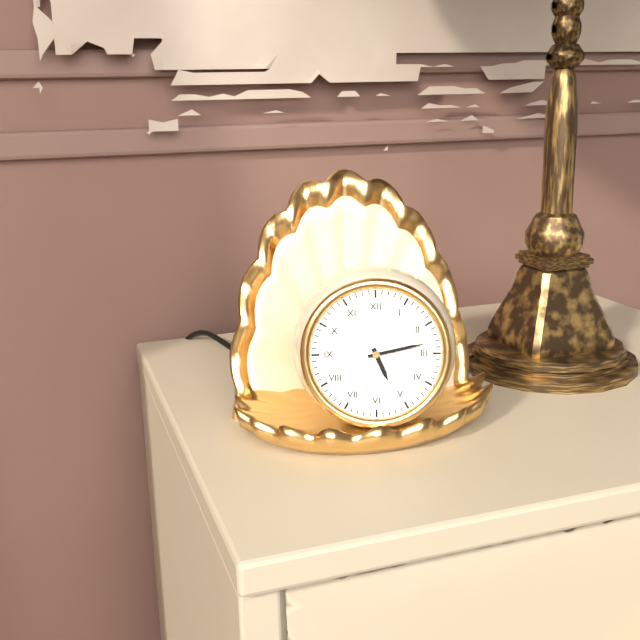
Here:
5,13
